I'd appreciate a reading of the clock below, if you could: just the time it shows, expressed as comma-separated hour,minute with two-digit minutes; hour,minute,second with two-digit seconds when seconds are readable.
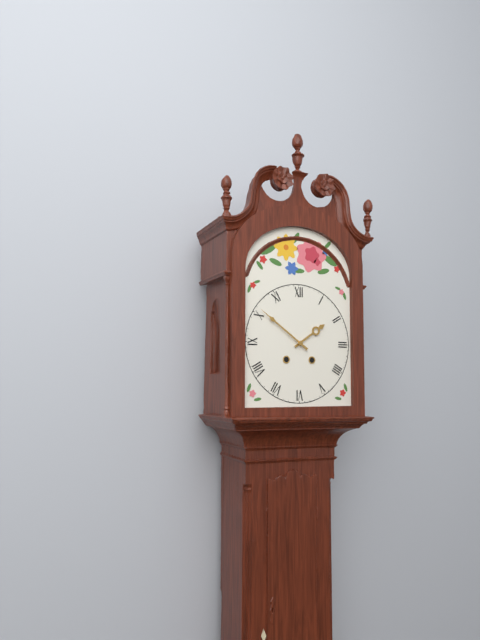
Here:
1,51
